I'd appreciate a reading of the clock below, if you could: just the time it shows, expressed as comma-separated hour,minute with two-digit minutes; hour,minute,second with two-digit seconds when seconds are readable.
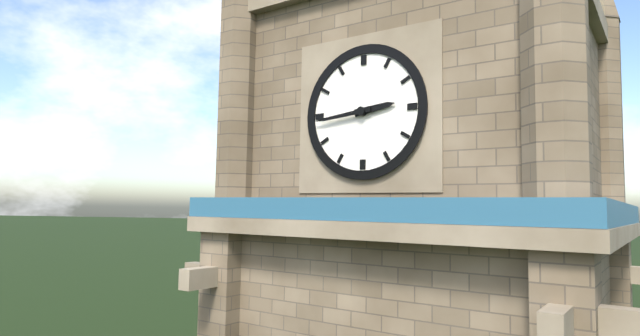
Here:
2,44
